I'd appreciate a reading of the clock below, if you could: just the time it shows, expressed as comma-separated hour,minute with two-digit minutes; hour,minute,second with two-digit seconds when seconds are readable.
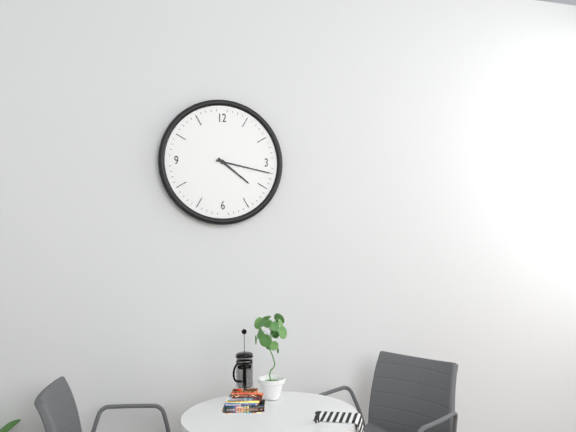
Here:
4,17
